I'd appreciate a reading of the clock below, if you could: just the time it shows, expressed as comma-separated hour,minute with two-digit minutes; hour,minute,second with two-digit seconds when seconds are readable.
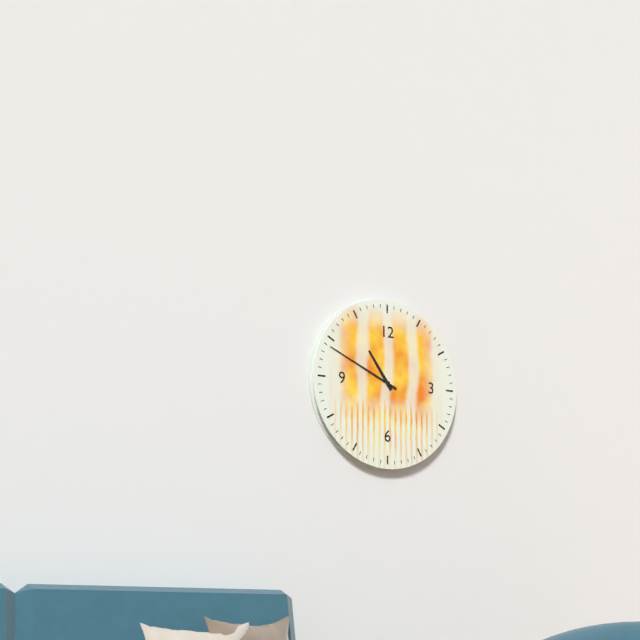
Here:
10,49
